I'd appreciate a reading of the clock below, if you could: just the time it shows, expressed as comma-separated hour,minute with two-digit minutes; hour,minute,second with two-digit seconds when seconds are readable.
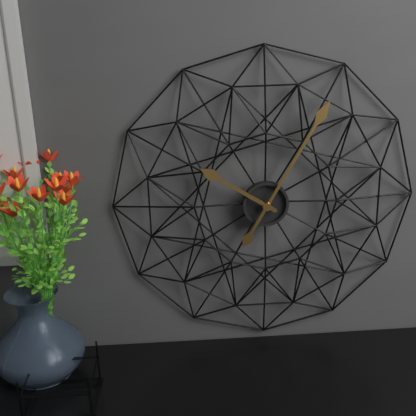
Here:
10,05
